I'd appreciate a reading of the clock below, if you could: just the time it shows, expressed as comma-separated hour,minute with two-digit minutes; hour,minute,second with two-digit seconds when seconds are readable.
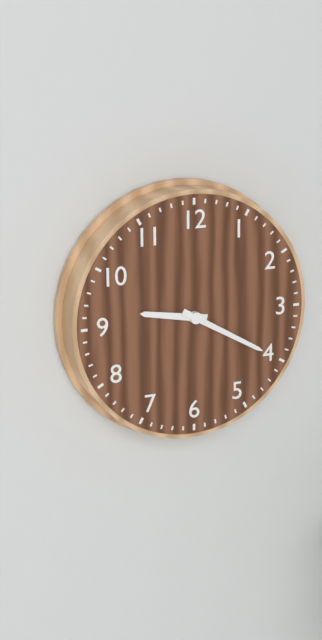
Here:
9,20
